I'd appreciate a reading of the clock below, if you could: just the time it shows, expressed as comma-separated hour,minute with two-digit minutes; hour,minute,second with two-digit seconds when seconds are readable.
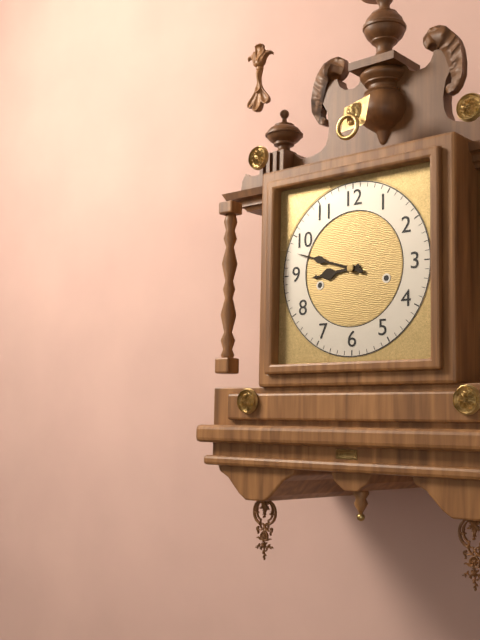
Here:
8,48
